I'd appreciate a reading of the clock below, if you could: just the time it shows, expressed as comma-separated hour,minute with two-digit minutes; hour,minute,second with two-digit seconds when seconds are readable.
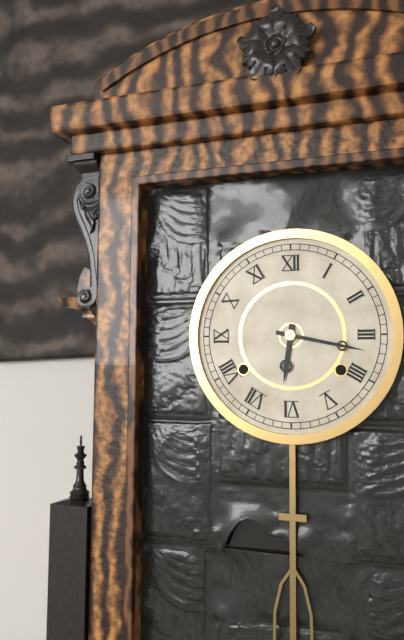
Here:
6,17
